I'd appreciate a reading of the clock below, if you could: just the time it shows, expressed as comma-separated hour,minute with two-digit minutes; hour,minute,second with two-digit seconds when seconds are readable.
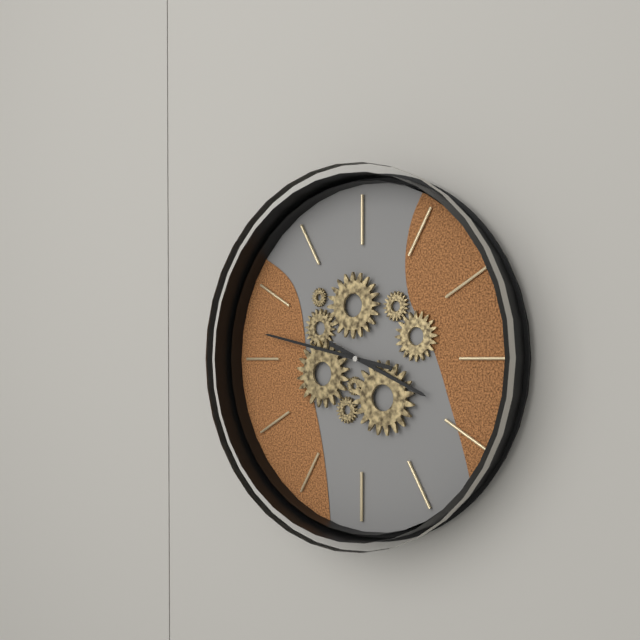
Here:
3,47
